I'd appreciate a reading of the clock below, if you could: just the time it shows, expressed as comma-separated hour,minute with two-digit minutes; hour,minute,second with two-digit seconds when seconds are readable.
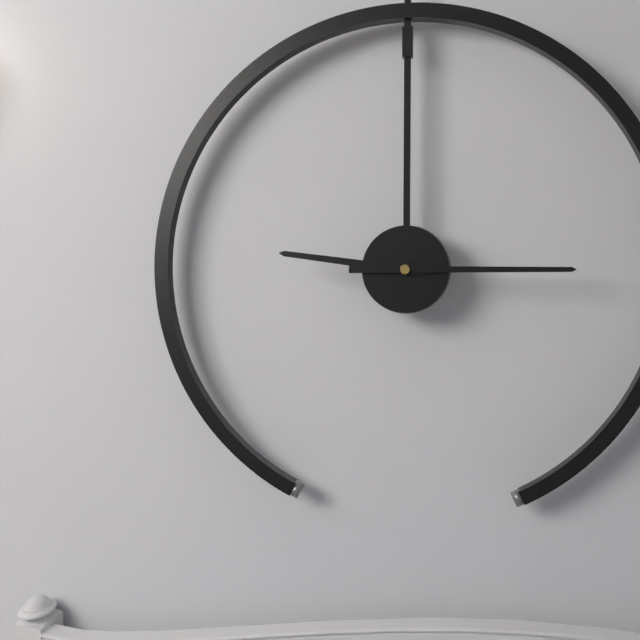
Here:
9,15
